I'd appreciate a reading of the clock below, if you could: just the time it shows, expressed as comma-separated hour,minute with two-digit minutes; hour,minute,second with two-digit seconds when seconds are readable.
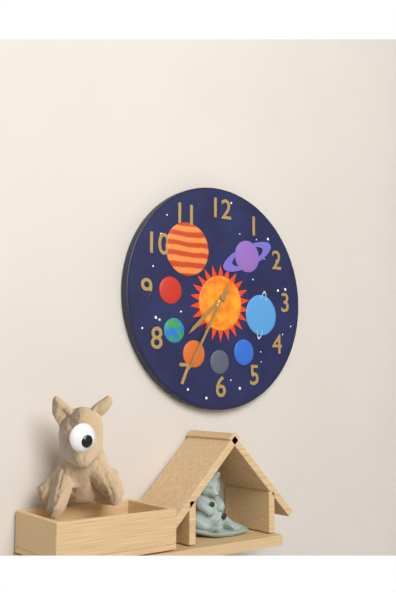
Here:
7,35
